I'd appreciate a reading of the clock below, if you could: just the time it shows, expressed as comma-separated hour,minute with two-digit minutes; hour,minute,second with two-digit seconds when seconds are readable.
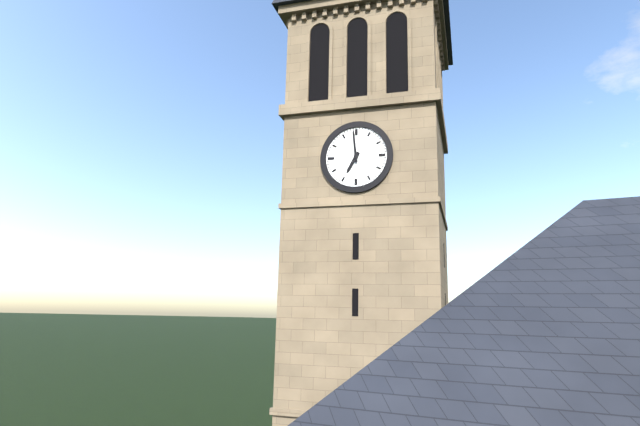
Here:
6,59
